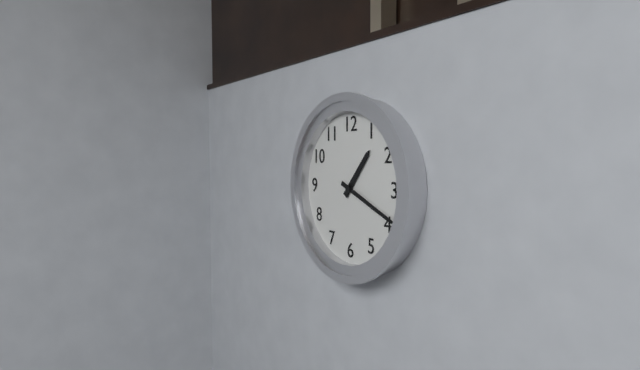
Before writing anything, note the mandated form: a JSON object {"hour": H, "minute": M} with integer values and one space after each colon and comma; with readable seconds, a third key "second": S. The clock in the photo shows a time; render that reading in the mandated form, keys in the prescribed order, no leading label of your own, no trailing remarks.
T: {"hour": 1, "minute": 19}
